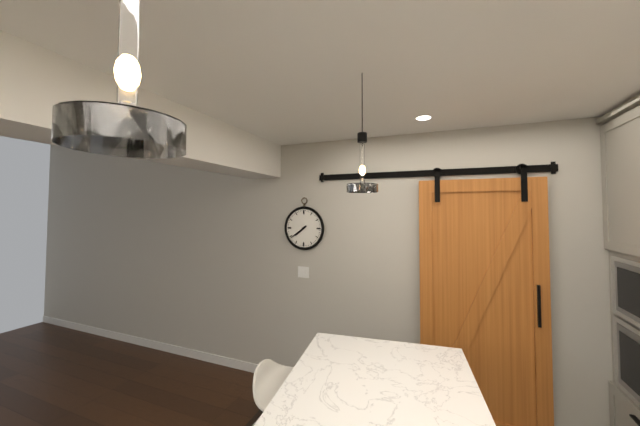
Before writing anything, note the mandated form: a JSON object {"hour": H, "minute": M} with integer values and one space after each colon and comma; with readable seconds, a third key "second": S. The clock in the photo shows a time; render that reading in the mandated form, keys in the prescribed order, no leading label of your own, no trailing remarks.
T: {"hour": 7, "minute": 39}
